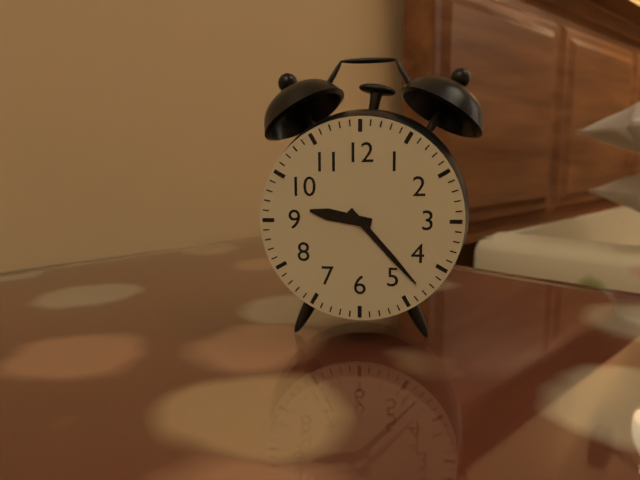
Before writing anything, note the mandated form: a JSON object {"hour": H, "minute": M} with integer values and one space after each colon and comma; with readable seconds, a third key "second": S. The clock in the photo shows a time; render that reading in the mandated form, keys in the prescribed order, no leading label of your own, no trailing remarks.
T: {"hour": 9, "minute": 23}
